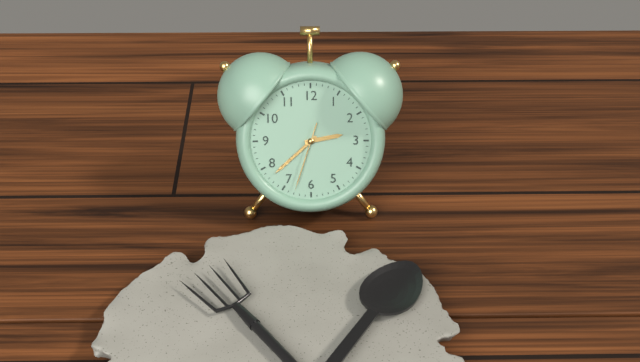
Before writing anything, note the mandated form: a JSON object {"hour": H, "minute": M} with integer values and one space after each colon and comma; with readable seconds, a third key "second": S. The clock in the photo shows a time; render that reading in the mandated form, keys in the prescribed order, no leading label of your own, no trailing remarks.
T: {"hour": 2, "minute": 38, "second": 33}
